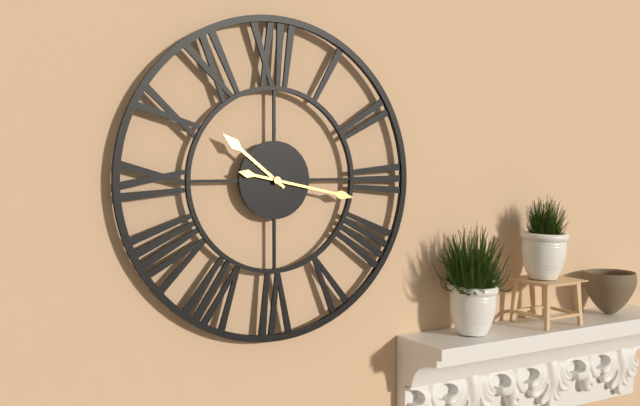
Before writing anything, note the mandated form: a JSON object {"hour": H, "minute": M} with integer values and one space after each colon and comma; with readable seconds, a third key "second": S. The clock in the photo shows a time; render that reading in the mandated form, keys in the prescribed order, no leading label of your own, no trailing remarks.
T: {"hour": 10, "minute": 17}
